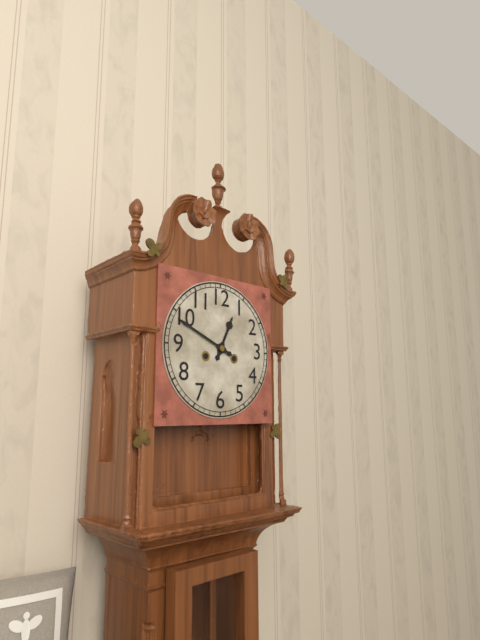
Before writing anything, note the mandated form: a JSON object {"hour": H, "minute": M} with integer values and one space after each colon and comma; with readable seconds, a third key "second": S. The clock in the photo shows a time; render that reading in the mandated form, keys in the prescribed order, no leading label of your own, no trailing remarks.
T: {"hour": 12, "minute": 49}
